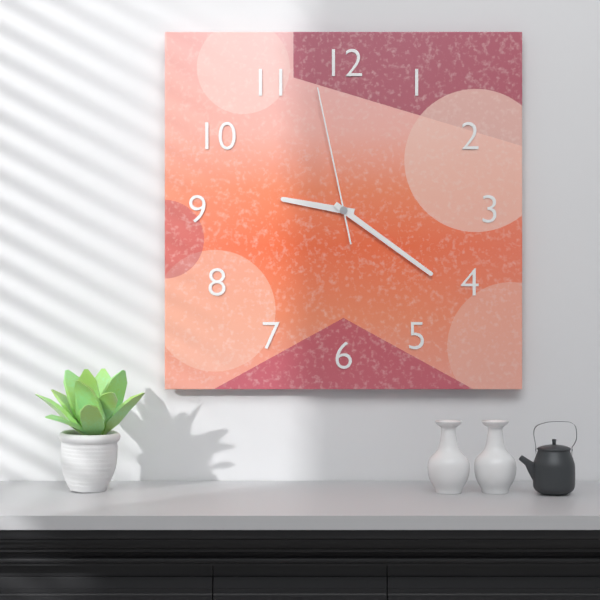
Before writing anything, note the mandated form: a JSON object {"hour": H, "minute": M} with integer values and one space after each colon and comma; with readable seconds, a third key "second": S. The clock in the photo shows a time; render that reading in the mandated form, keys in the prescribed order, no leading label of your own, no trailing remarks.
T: {"hour": 9, "minute": 21, "second": 58}
